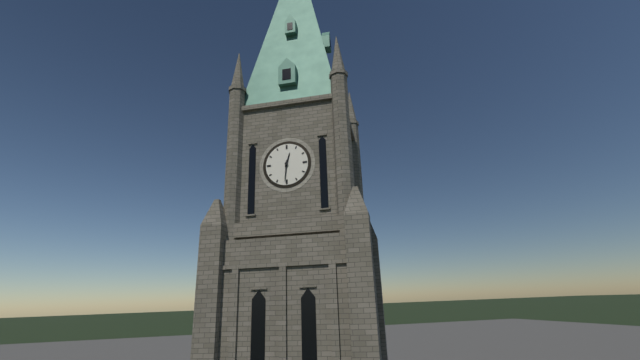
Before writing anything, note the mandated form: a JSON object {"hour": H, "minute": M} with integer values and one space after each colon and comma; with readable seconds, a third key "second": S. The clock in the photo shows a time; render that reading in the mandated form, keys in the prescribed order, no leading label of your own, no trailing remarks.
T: {"hour": 12, "minute": 31}
